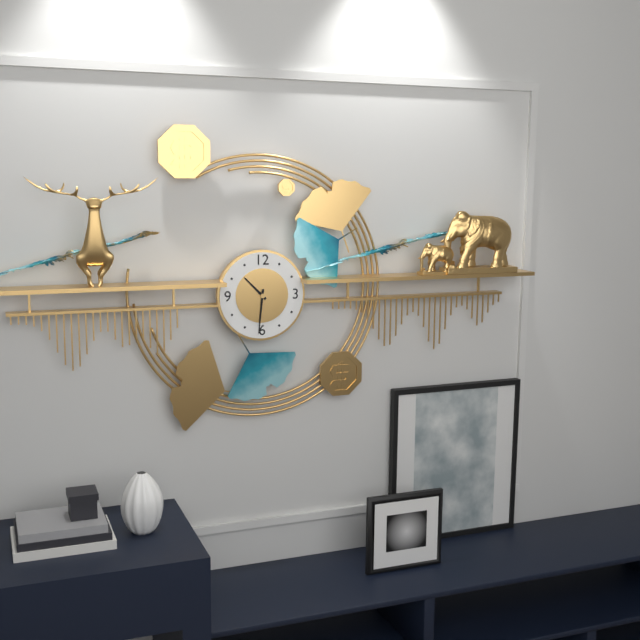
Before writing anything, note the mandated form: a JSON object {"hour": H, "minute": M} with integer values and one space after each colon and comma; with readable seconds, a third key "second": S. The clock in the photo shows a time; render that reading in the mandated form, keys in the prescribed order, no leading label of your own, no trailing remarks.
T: {"hour": 10, "minute": 31}
